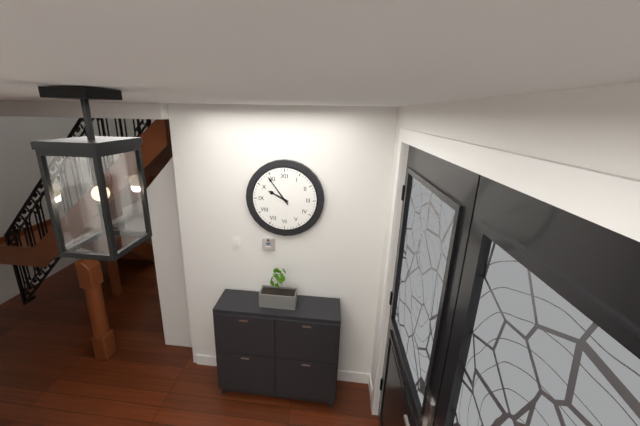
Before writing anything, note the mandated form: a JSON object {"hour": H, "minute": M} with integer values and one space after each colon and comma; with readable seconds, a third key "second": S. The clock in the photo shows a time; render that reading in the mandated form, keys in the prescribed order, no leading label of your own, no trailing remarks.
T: {"hour": 9, "minute": 54}
